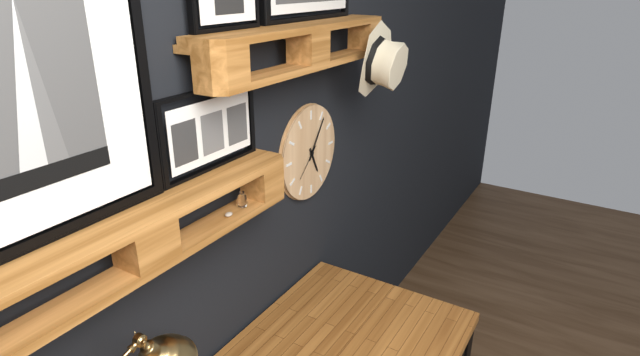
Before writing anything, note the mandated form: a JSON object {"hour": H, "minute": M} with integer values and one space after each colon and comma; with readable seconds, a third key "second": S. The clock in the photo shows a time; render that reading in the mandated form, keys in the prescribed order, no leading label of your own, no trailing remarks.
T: {"hour": 5, "minute": 6}
